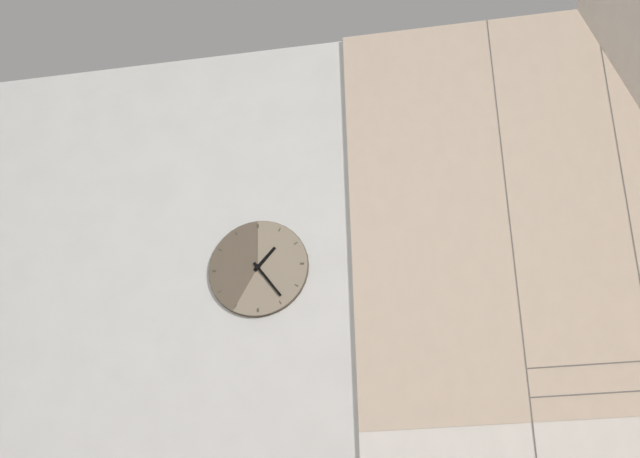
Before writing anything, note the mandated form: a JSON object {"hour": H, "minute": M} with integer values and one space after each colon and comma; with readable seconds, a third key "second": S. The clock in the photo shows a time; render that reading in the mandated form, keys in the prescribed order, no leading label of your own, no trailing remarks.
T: {"hour": 1, "minute": 24}
